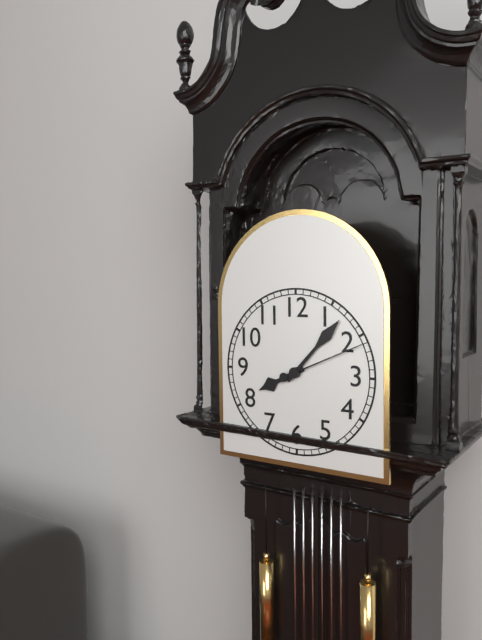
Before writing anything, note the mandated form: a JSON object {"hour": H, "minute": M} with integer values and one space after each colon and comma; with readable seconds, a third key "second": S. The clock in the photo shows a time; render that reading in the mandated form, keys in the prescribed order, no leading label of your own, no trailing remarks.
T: {"hour": 8, "minute": 7, "second": 11}
